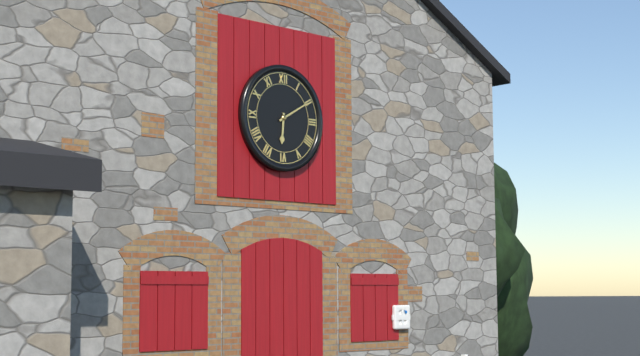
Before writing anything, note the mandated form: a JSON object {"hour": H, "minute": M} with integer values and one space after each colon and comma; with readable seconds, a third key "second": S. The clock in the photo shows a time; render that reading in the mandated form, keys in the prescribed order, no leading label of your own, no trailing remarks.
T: {"hour": 6, "minute": 10}
